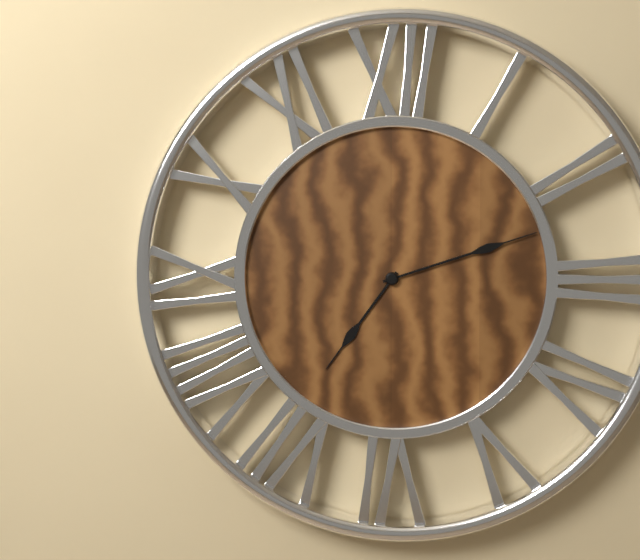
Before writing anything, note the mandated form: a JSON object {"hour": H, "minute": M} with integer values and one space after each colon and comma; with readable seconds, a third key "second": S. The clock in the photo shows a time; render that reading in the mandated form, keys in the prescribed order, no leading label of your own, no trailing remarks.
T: {"hour": 7, "minute": 12}
